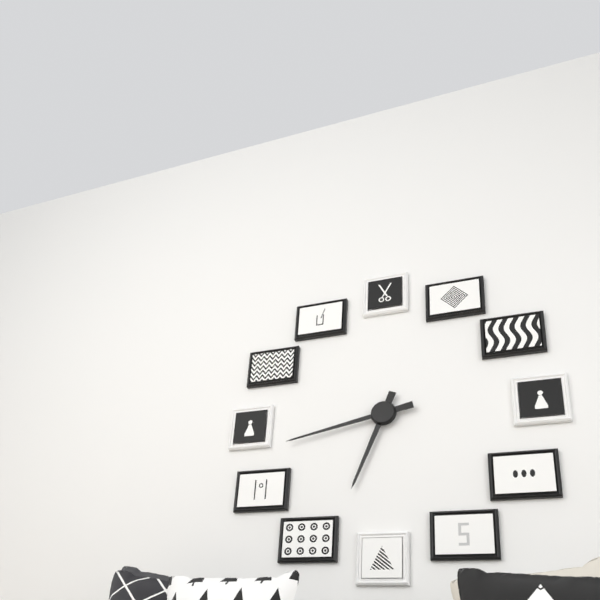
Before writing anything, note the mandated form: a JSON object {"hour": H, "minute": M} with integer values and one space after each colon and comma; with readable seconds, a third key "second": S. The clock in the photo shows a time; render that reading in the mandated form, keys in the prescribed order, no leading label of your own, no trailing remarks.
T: {"hour": 6, "minute": 43}
